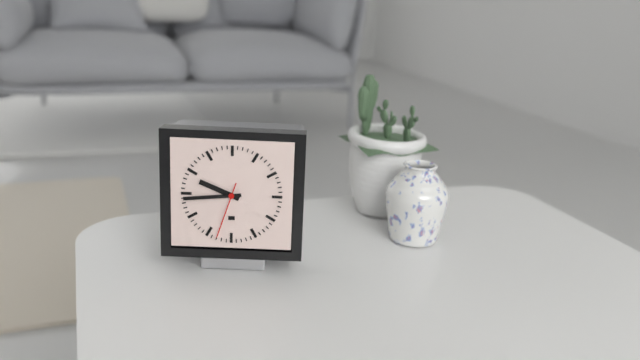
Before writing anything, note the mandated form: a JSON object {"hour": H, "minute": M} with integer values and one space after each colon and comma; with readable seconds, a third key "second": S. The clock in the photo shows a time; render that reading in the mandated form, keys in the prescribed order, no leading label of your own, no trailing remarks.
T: {"hour": 9, "minute": 44, "second": 33}
